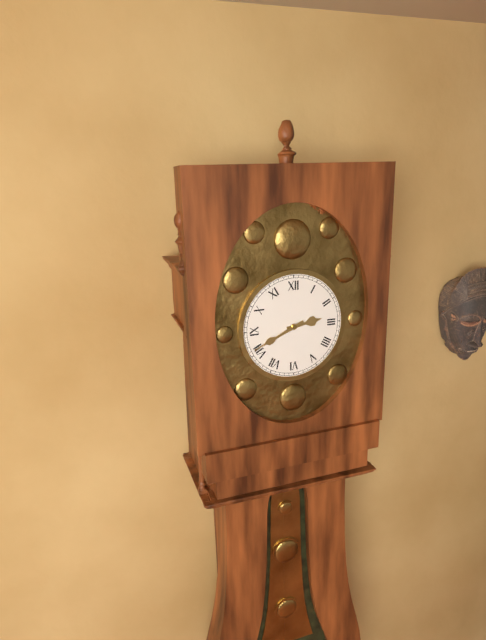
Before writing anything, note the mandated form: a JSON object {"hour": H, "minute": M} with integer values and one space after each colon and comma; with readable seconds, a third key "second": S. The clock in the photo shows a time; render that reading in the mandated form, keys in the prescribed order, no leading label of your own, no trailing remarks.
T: {"hour": 2, "minute": 41}
